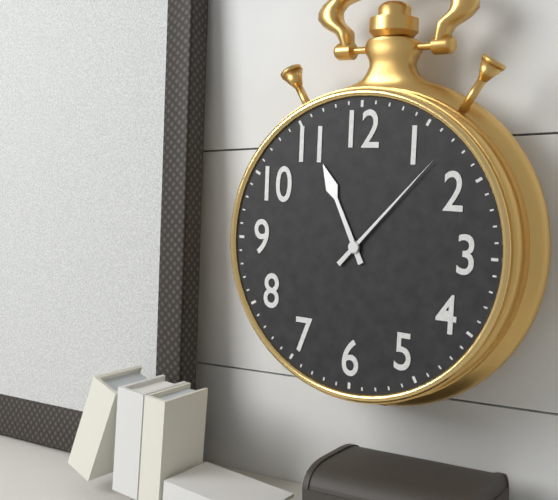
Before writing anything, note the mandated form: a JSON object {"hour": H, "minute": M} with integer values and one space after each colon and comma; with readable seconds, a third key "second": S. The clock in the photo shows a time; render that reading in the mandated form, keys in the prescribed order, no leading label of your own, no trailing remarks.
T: {"hour": 11, "minute": 7}
